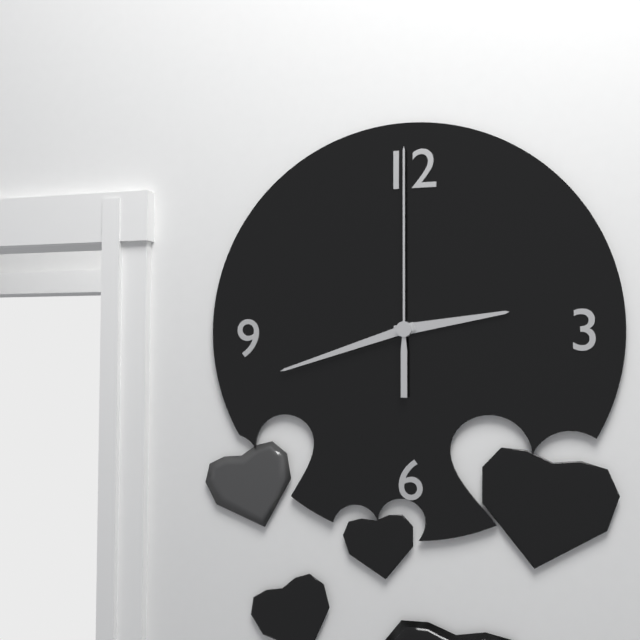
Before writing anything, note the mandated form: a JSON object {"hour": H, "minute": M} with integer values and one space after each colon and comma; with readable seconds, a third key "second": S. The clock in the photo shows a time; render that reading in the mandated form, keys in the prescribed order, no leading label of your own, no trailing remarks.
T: {"hour": 2, "minute": 42, "second": 0}
